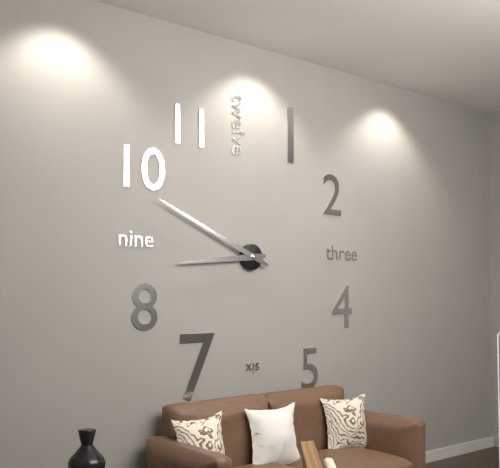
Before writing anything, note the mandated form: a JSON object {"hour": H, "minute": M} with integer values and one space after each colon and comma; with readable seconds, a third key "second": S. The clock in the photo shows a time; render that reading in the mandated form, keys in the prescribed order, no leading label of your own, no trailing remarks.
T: {"hour": 8, "minute": 49}
